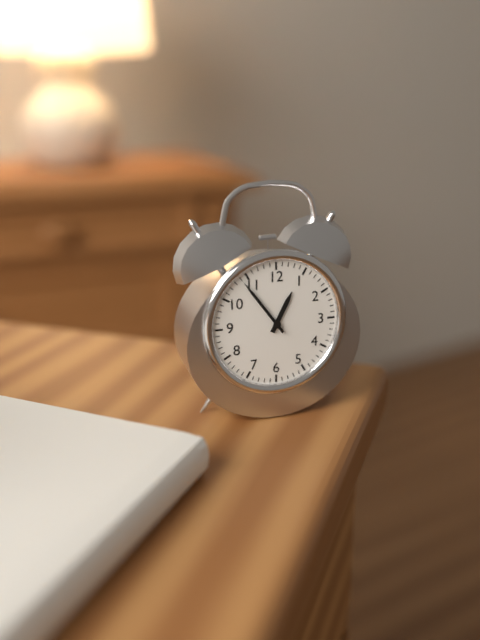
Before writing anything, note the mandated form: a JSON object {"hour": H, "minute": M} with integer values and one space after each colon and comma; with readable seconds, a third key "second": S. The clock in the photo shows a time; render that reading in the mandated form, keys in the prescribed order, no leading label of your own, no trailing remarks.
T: {"hour": 12, "minute": 54}
